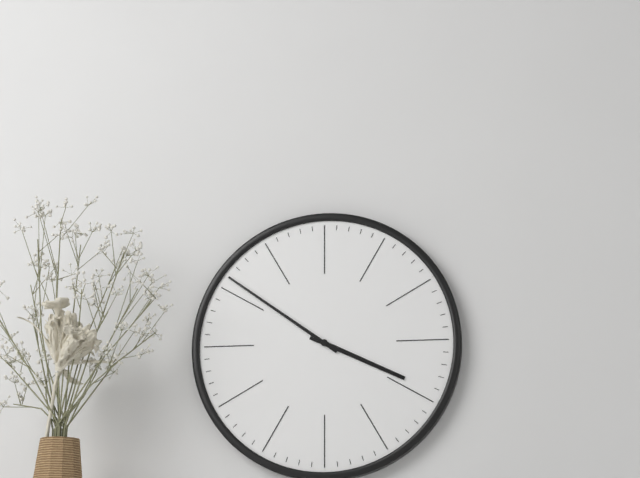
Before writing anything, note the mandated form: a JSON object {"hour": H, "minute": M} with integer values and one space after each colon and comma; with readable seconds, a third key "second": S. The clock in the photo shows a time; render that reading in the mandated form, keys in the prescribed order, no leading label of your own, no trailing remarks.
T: {"hour": 3, "minute": 51}
